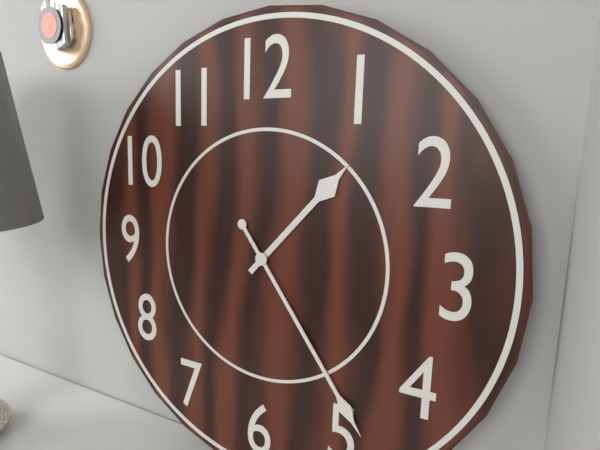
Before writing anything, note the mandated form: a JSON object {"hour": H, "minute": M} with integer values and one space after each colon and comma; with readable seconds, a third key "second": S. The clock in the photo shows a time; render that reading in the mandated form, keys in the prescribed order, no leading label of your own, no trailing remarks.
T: {"hour": 1, "minute": 24}
